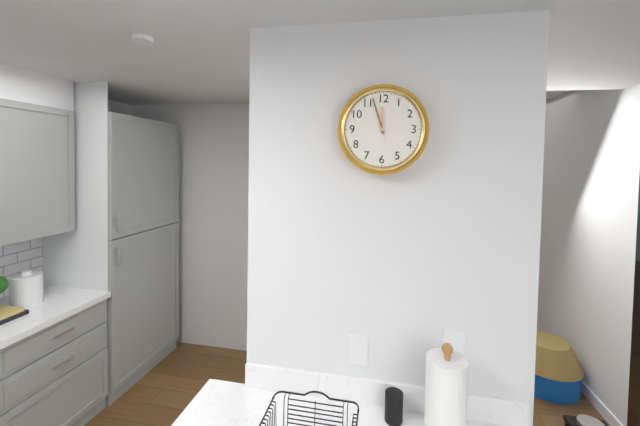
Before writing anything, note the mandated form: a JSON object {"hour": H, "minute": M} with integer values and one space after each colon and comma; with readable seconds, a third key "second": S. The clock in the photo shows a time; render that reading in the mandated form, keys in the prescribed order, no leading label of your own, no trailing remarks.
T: {"hour": 11, "minute": 57}
